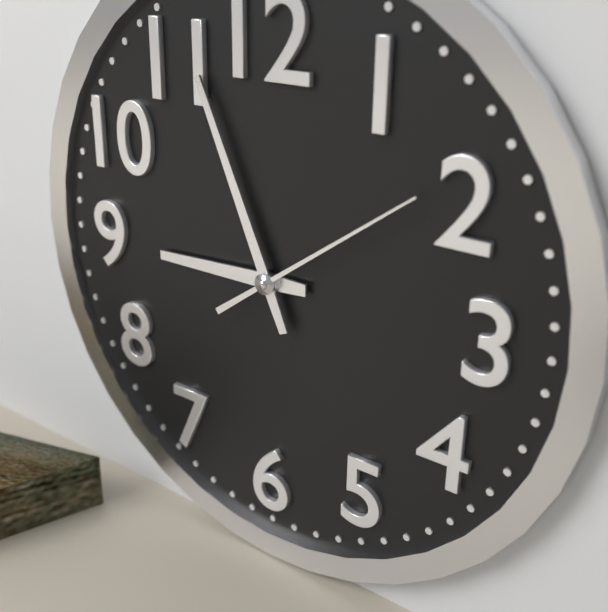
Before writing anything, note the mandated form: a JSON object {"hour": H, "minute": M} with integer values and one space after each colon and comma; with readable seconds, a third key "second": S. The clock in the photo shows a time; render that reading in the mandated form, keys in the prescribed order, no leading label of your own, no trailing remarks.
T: {"hour": 8, "minute": 56, "second": 9}
